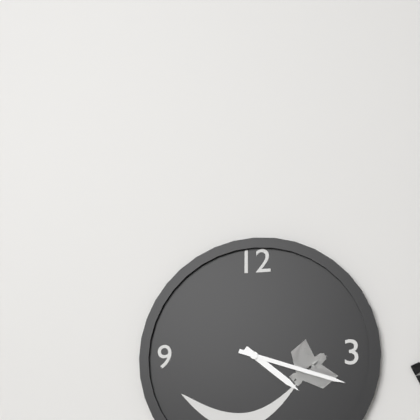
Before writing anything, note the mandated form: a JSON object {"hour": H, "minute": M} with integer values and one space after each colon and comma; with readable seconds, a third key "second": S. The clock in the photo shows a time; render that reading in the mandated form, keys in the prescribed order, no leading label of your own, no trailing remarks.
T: {"hour": 4, "minute": 18}
